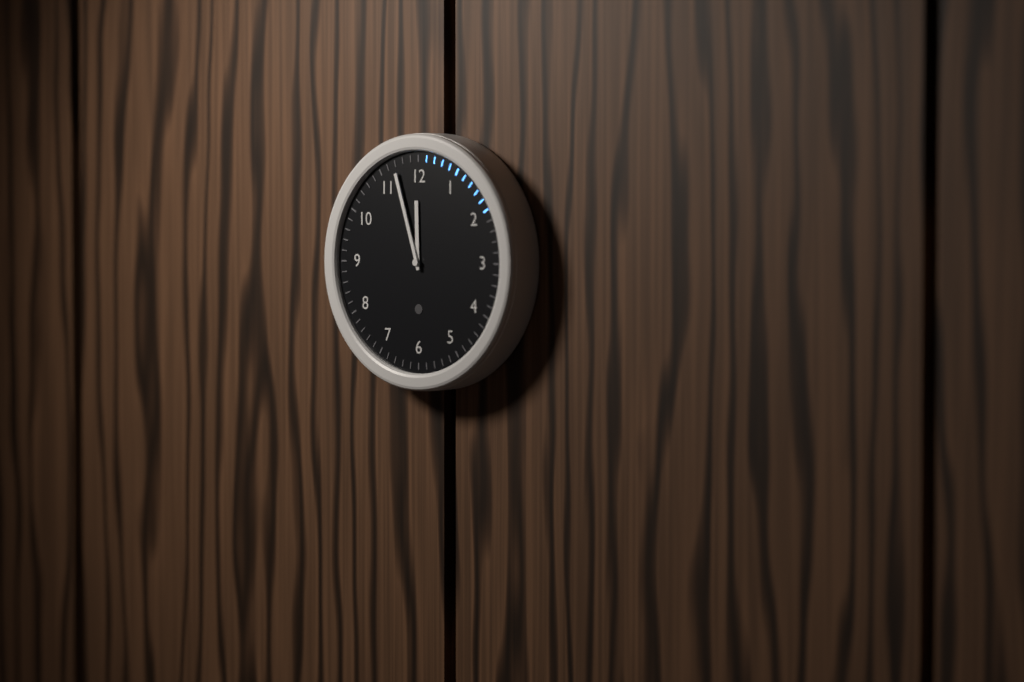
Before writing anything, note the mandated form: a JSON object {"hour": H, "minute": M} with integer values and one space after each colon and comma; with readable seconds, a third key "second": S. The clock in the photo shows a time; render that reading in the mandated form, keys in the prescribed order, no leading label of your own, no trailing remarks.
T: {"hour": 11, "minute": 57}
